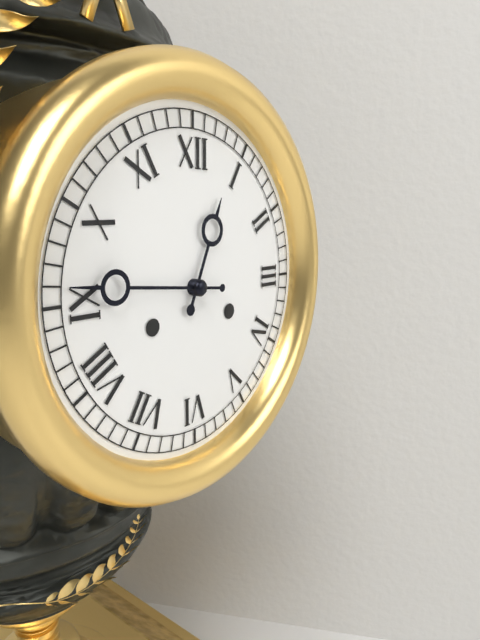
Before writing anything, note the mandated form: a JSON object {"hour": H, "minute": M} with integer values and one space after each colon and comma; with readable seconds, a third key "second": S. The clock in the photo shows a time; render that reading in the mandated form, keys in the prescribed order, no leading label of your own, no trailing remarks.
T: {"hour": 12, "minute": 46}
